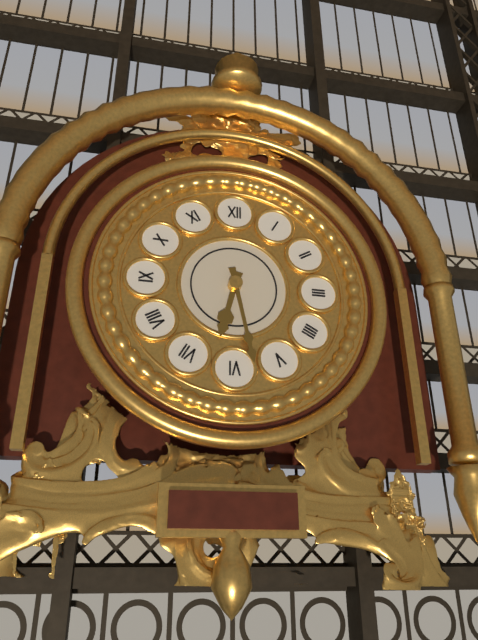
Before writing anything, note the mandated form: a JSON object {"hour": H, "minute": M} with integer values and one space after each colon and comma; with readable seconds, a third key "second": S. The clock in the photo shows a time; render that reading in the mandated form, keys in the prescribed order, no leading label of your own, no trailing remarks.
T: {"hour": 6, "minute": 28}
